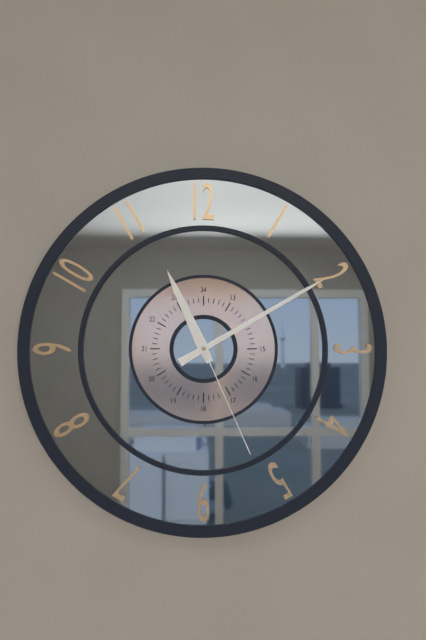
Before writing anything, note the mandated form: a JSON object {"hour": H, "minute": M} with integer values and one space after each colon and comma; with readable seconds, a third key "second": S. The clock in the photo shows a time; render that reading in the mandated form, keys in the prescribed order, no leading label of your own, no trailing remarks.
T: {"hour": 11, "minute": 10, "second": 26}
